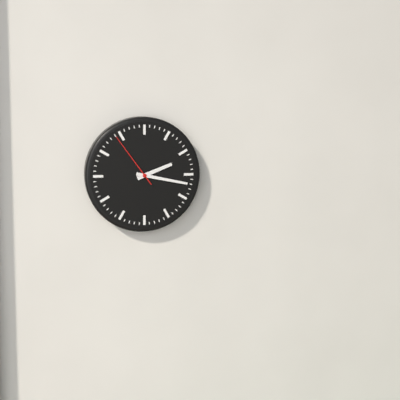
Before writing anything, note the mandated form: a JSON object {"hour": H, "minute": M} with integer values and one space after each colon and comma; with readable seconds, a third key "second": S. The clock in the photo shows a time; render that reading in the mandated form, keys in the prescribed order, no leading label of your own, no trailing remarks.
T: {"hour": 2, "minute": 17, "second": 54}
